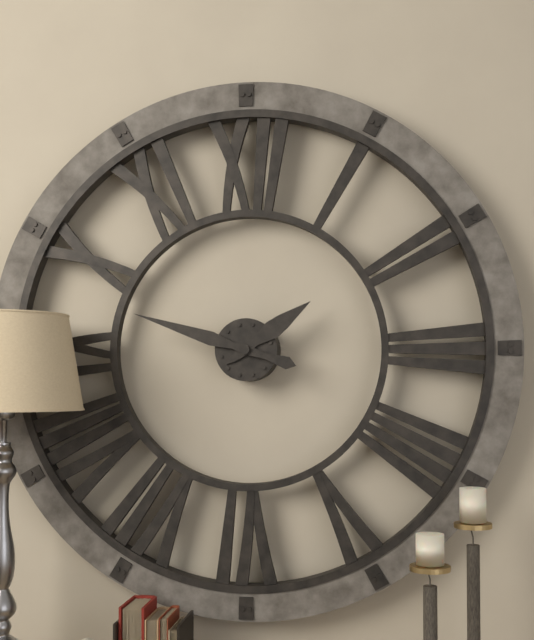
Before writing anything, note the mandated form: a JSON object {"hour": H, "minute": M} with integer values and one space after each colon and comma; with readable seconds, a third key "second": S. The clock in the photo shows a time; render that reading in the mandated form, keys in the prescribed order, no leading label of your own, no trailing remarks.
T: {"hour": 1, "minute": 48}
